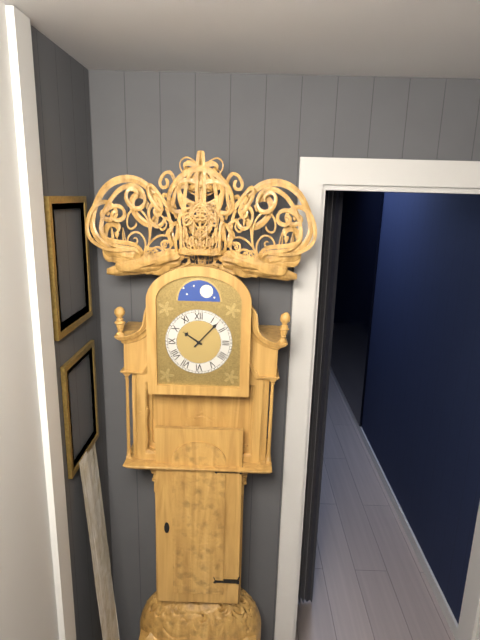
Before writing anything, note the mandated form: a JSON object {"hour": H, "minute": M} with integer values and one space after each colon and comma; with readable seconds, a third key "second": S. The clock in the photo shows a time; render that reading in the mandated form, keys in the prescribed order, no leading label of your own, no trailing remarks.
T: {"hour": 10, "minute": 7}
